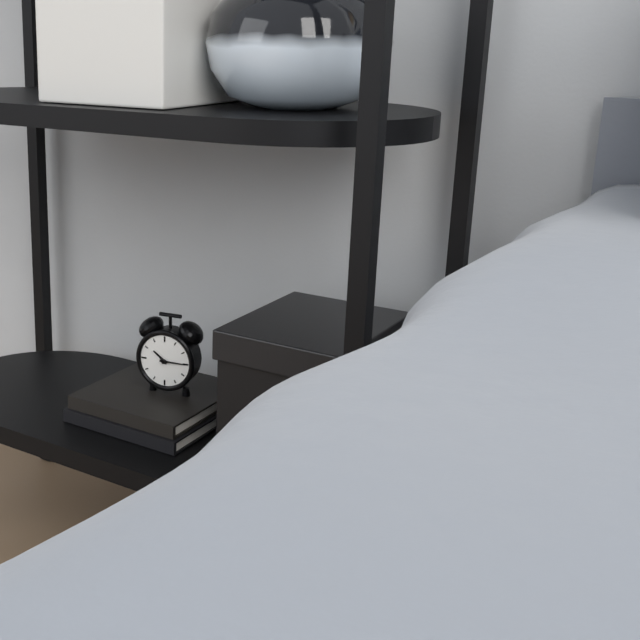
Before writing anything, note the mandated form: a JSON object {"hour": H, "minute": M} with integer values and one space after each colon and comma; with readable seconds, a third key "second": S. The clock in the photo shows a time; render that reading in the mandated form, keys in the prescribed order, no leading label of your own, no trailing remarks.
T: {"hour": 10, "minute": 15}
